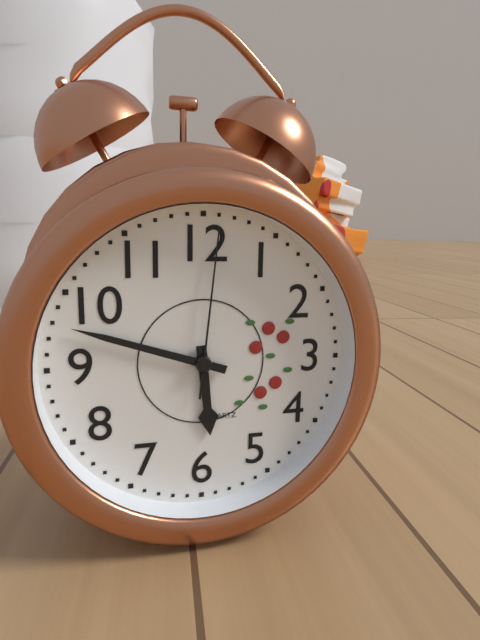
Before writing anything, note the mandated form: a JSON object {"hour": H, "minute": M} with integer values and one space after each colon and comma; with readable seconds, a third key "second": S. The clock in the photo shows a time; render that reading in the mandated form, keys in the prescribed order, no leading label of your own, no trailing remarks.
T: {"hour": 5, "minute": 48, "second": 1}
